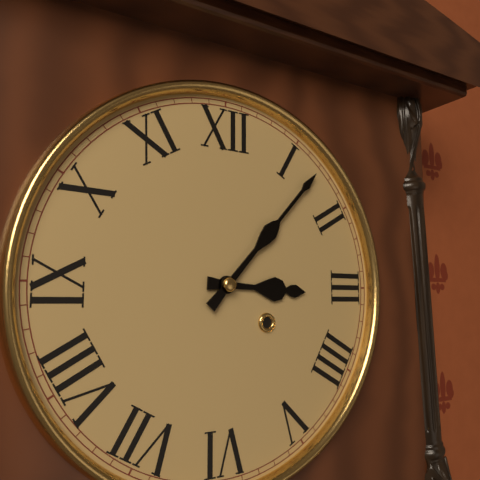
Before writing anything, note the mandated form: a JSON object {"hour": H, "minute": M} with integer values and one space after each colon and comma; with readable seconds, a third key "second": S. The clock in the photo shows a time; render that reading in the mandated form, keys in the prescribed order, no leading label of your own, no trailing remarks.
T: {"hour": 3, "minute": 7}
